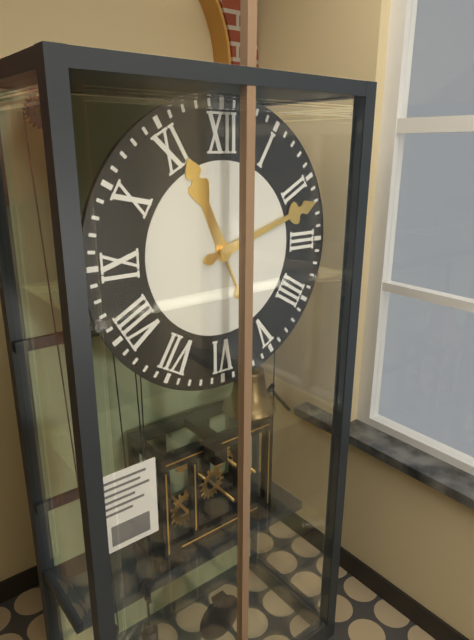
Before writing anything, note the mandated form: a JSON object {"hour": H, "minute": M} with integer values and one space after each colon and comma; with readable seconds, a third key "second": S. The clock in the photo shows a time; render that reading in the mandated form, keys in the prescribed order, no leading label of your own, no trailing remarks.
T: {"hour": 11, "minute": 12}
